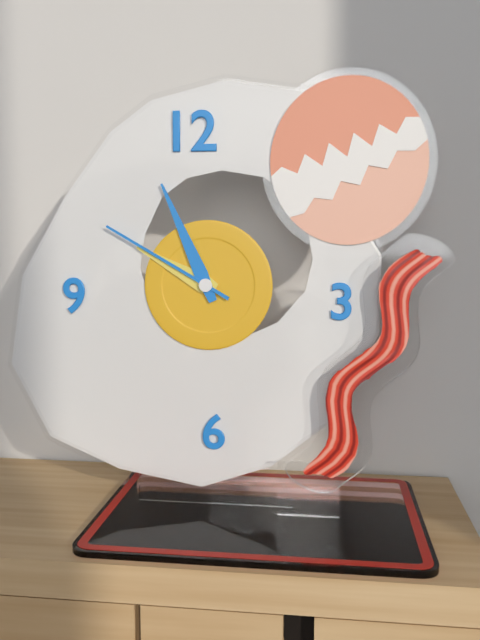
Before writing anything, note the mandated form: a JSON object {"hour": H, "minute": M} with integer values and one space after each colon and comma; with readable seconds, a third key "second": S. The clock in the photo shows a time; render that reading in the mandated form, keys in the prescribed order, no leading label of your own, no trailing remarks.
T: {"hour": 9, "minute": 56, "second": 50}
